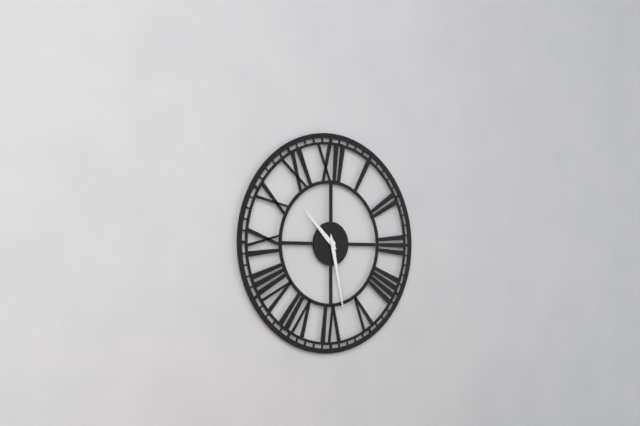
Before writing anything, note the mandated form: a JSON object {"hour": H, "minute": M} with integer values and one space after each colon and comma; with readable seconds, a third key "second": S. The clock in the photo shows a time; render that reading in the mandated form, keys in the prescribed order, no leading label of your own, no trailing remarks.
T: {"hour": 10, "minute": 28}
